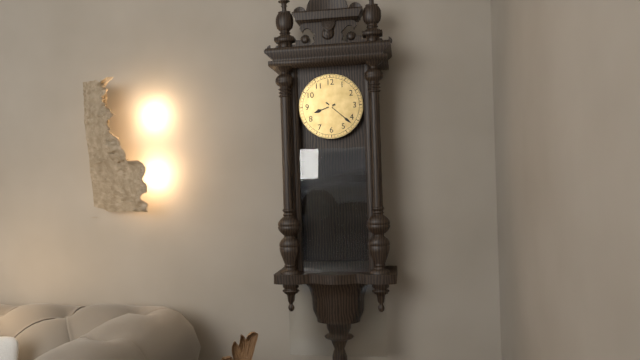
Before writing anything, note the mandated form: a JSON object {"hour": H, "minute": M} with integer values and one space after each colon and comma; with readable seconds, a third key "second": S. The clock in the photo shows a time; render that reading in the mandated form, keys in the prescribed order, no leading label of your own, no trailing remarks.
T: {"hour": 8, "minute": 22}
